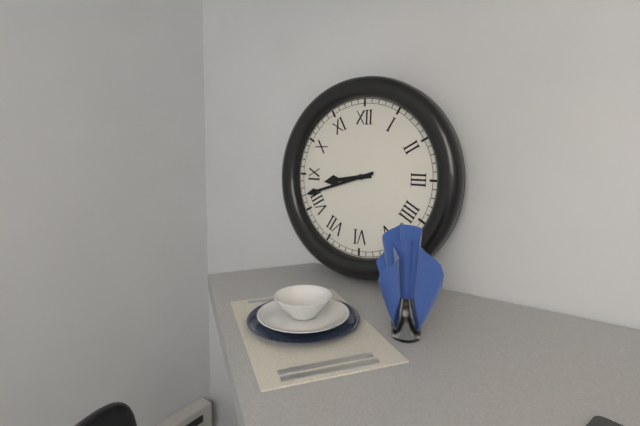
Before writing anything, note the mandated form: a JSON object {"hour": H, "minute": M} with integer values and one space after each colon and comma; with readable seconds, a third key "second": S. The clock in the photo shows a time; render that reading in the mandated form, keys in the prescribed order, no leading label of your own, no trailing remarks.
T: {"hour": 8, "minute": 42}
